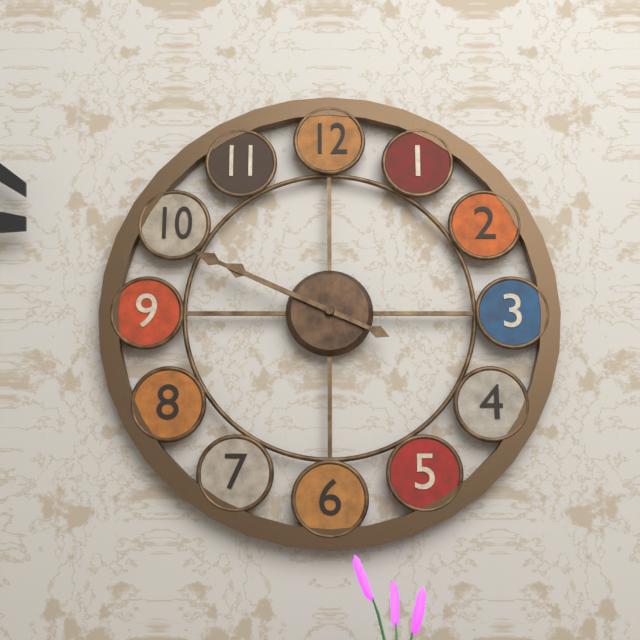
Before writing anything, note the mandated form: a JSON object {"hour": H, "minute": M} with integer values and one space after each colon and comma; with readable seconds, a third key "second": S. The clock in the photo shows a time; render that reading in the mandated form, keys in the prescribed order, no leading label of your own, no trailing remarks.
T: {"hour": 9, "minute": 49}
